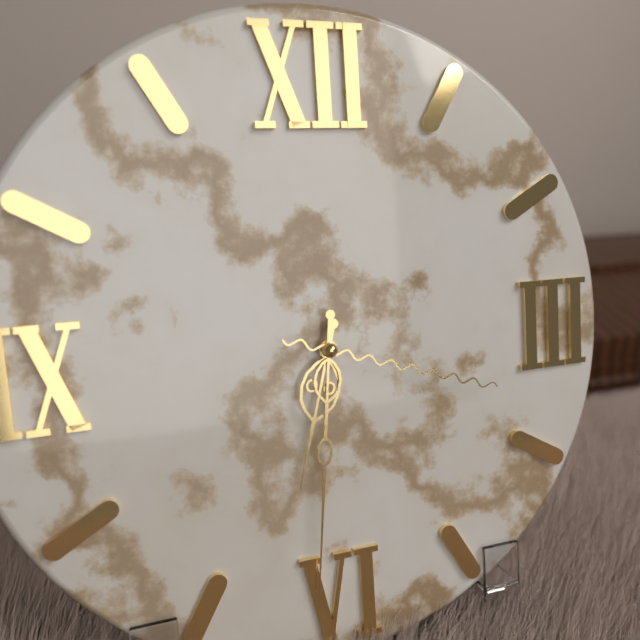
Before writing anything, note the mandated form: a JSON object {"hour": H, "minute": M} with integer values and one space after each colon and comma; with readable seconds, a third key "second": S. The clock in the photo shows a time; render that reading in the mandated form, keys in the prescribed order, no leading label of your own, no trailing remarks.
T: {"hour": 6, "minute": 31, "second": 18}
